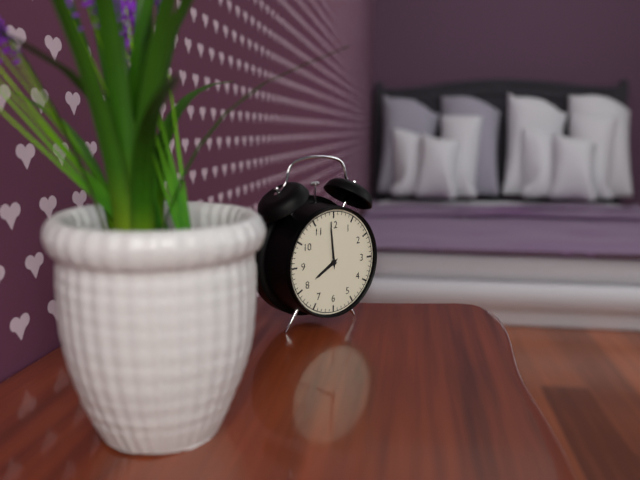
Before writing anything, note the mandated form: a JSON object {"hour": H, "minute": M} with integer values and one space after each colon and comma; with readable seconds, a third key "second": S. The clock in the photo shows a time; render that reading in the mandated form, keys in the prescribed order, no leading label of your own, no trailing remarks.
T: {"hour": 7, "minute": 59}
